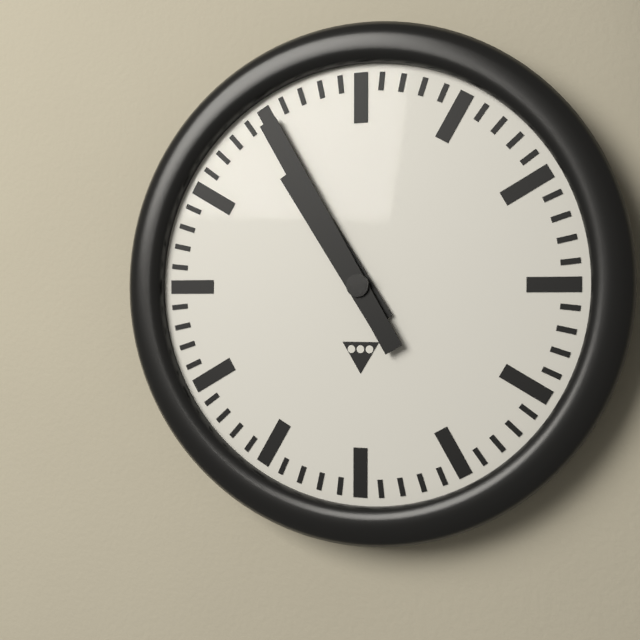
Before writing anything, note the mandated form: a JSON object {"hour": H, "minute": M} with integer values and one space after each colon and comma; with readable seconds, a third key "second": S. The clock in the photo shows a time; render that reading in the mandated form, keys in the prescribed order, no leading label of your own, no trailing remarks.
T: {"hour": 10, "minute": 55}
